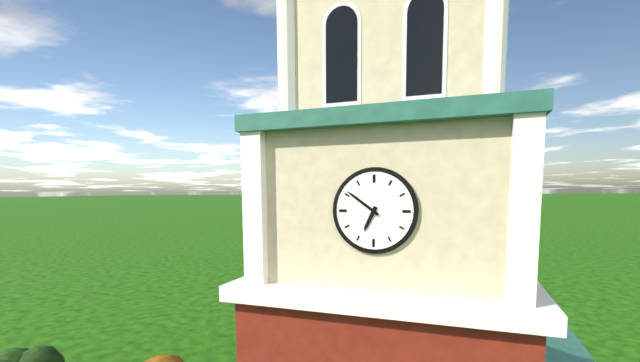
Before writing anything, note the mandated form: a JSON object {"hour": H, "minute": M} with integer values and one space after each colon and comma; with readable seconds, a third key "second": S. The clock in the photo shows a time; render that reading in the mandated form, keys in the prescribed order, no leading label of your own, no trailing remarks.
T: {"hour": 6, "minute": 51}
